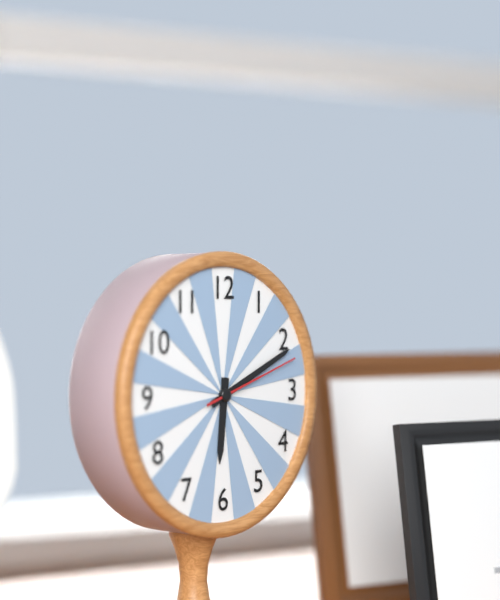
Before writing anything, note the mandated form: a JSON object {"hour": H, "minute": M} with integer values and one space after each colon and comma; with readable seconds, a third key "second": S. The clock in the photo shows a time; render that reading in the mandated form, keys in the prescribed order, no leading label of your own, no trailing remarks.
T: {"hour": 6, "minute": 11, "second": 12}
